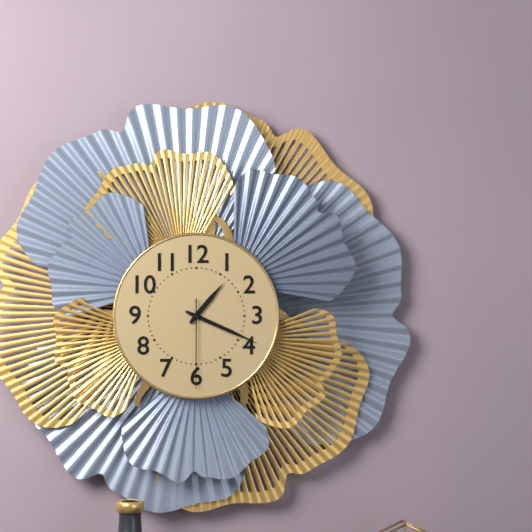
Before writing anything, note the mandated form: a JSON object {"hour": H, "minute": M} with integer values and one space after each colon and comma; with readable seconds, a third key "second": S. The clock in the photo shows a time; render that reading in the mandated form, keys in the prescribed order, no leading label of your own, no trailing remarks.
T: {"hour": 1, "minute": 19, "second": 30}
